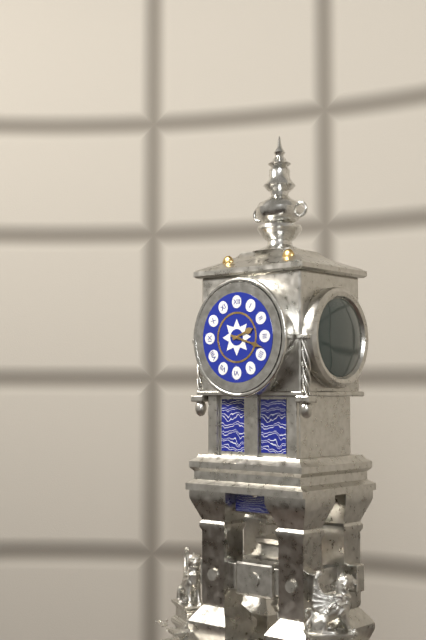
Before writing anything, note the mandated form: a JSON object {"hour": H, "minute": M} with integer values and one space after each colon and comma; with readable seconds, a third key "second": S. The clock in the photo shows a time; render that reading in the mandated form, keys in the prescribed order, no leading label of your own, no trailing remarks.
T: {"hour": 2, "minute": 18}
